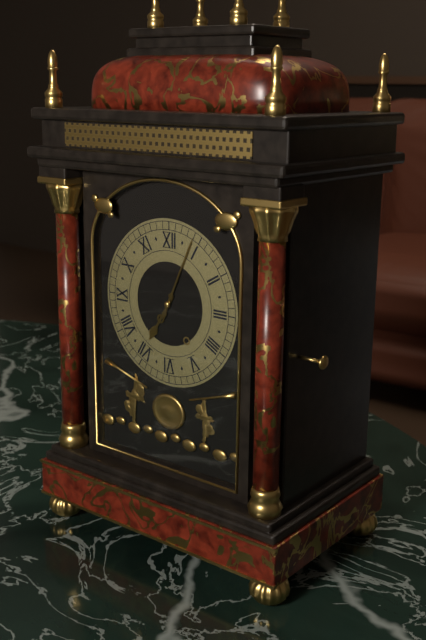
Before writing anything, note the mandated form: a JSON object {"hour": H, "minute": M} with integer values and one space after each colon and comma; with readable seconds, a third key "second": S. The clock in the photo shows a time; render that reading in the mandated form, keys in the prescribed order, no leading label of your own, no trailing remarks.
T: {"hour": 7, "minute": 4}
